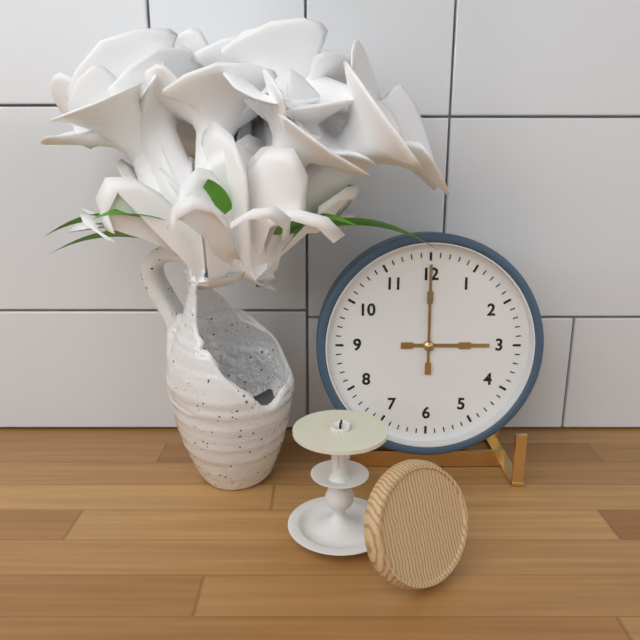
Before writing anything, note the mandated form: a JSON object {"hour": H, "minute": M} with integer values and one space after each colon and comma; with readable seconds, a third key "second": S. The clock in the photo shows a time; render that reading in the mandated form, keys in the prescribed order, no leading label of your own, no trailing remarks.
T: {"hour": 3, "minute": 0}
